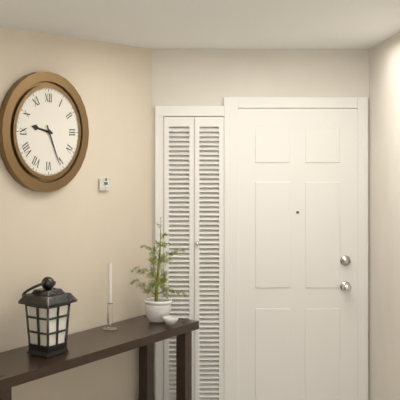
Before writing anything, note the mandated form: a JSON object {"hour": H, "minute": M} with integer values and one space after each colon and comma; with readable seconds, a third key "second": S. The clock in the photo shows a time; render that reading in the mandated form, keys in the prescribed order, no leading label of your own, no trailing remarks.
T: {"hour": 9, "minute": 26}
